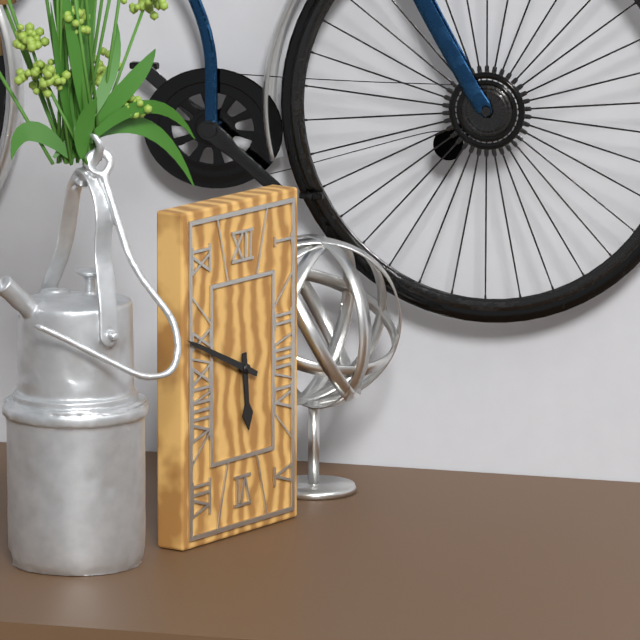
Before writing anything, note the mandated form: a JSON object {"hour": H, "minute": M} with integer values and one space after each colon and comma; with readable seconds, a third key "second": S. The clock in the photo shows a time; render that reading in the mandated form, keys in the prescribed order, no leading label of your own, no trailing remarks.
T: {"hour": 5, "minute": 49}
